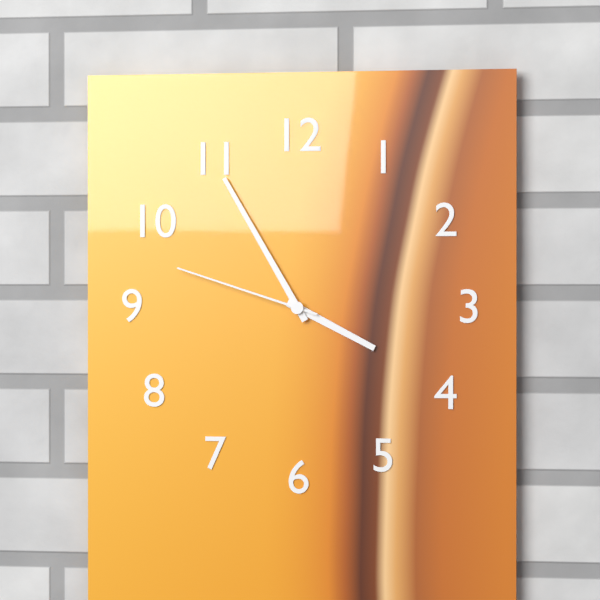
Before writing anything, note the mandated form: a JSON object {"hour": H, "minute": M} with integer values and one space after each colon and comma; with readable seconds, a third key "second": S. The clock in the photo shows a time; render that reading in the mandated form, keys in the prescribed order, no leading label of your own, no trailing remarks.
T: {"hour": 3, "minute": 55, "second": 48}
